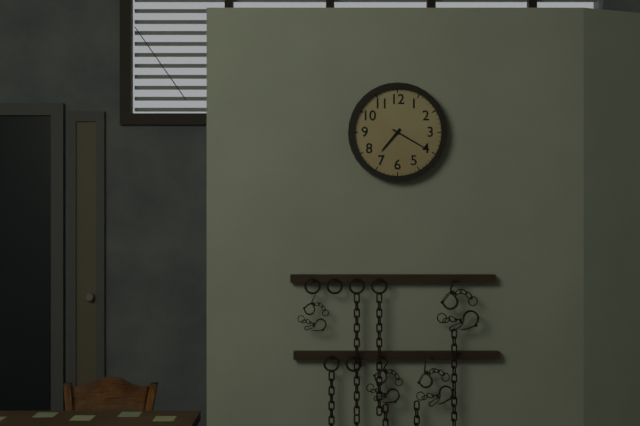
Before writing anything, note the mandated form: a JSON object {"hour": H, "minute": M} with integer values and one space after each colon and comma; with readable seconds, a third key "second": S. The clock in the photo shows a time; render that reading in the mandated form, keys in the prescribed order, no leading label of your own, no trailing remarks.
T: {"hour": 7, "minute": 20}
